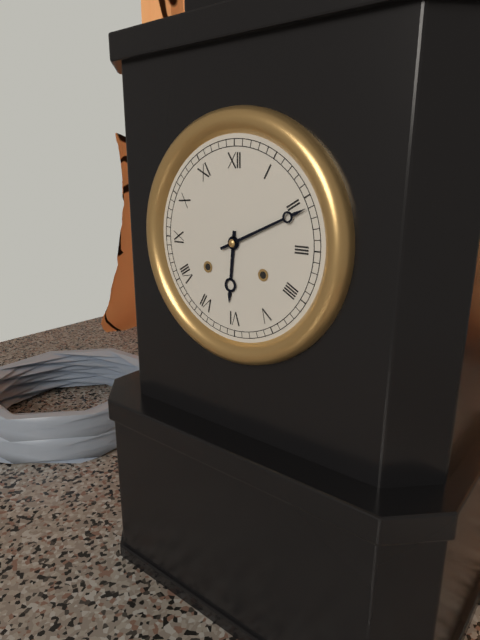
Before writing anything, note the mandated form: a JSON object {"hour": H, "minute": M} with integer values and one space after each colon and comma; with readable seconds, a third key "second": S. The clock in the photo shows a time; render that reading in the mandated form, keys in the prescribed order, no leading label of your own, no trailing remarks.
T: {"hour": 6, "minute": 11}
